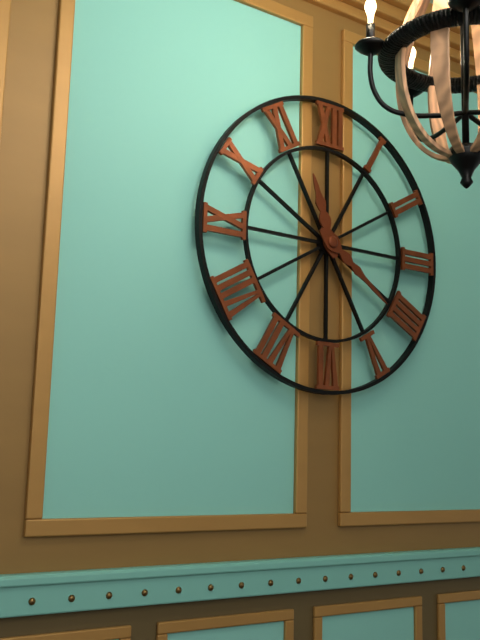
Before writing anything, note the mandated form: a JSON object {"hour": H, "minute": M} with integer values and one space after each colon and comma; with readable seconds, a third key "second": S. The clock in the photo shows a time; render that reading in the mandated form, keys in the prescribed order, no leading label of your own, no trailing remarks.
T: {"hour": 11, "minute": 21}
